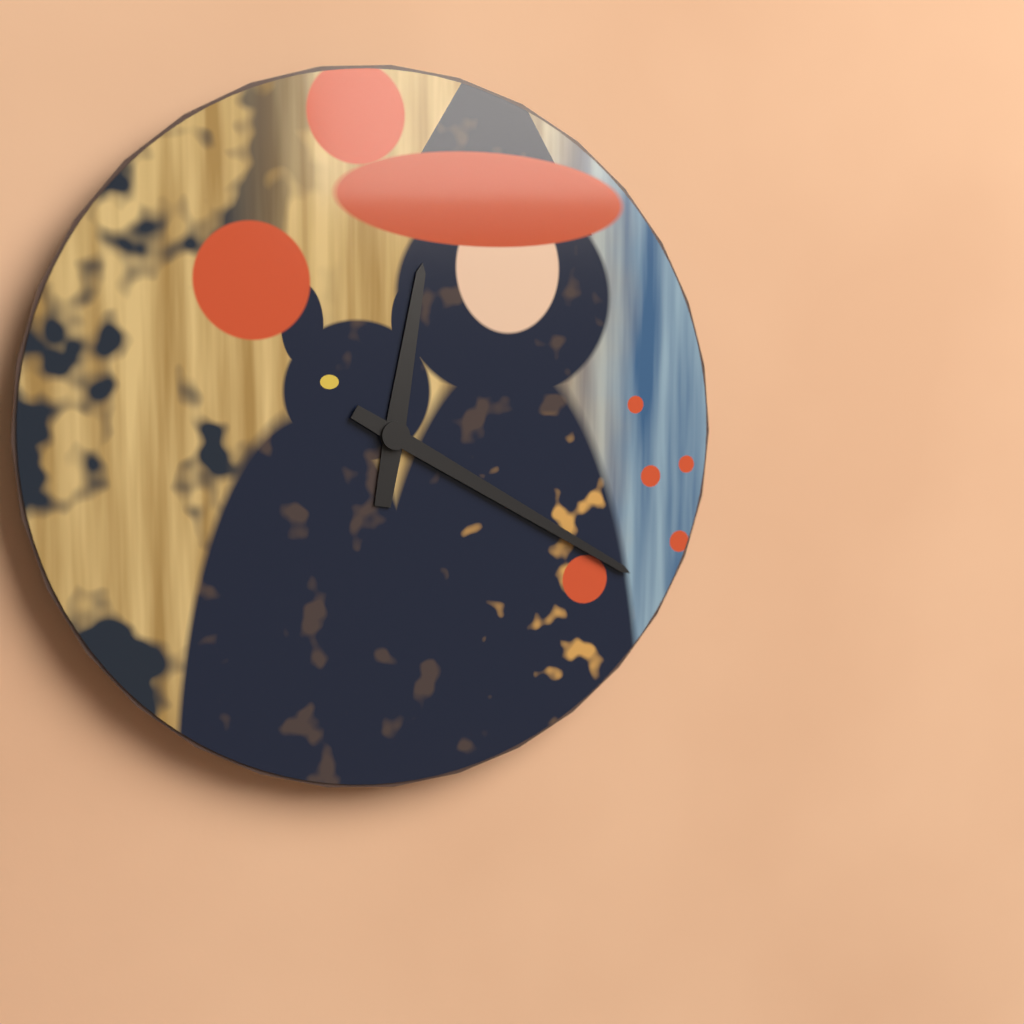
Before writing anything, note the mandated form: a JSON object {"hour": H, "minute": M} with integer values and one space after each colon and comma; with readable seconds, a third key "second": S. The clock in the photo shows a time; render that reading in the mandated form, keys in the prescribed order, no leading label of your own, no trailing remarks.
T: {"hour": 12, "minute": 20}
